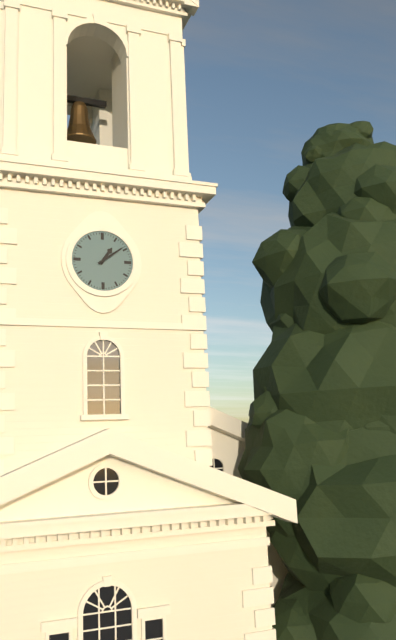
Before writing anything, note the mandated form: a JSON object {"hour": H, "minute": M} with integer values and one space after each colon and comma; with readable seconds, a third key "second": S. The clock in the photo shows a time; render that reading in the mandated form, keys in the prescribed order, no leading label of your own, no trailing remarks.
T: {"hour": 1, "minute": 9}
